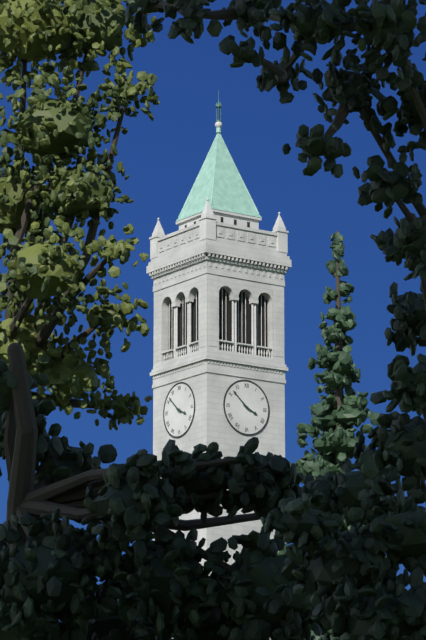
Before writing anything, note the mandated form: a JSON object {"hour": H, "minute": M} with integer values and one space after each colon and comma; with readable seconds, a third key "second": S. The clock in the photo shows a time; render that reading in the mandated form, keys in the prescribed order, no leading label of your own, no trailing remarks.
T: {"hour": 3, "minute": 52}
